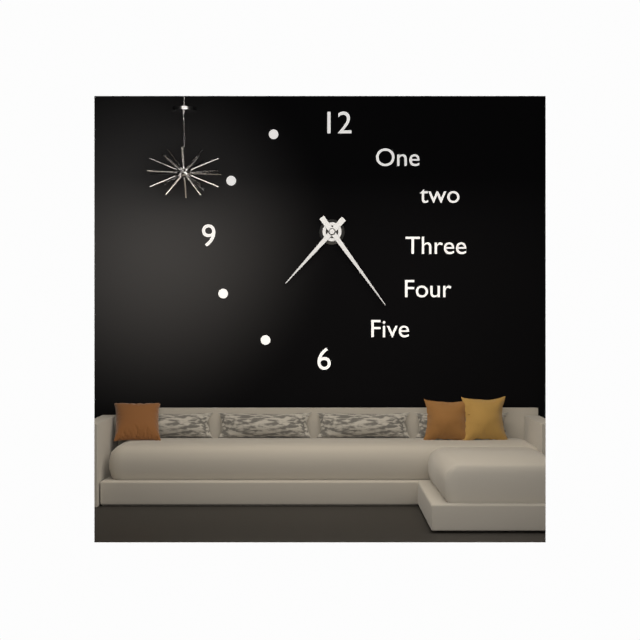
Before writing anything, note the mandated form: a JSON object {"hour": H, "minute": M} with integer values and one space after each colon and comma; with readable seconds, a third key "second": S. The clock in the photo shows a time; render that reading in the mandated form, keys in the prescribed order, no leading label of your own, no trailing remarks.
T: {"hour": 7, "minute": 24}
